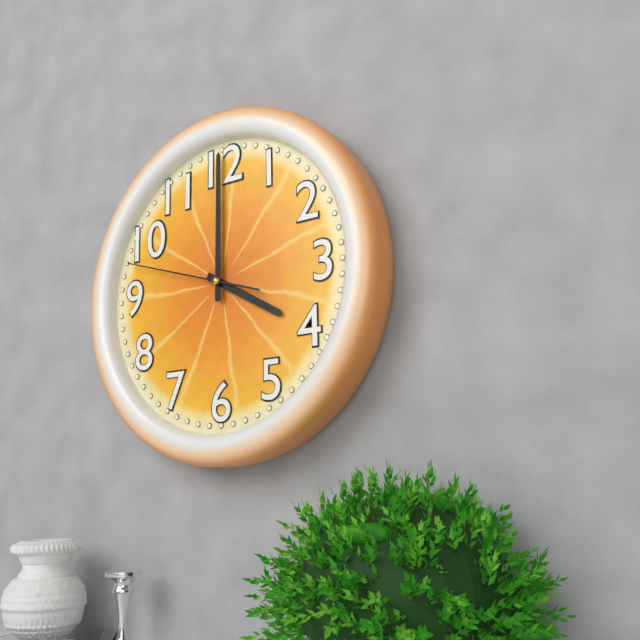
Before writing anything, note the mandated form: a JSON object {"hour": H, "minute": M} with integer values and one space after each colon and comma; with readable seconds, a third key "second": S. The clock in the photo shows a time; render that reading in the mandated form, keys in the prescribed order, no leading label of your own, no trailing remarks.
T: {"hour": 4, "minute": 0, "second": 48}
